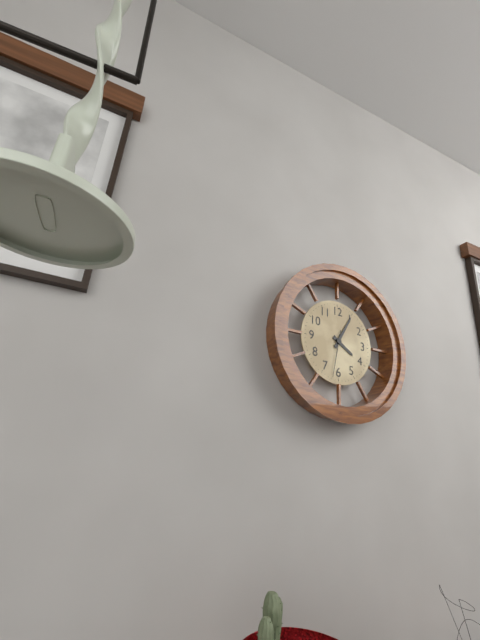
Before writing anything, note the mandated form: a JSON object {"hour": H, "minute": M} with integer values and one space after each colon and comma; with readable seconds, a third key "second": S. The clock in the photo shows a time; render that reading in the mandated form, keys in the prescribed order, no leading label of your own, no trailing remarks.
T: {"hour": 4, "minute": 5}
